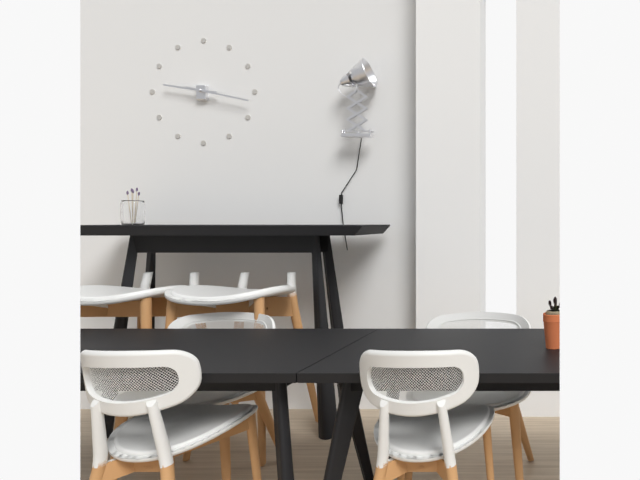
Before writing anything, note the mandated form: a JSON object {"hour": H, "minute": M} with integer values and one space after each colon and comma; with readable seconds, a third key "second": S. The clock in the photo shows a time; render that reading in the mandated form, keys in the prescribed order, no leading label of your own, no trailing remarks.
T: {"hour": 9, "minute": 17}
